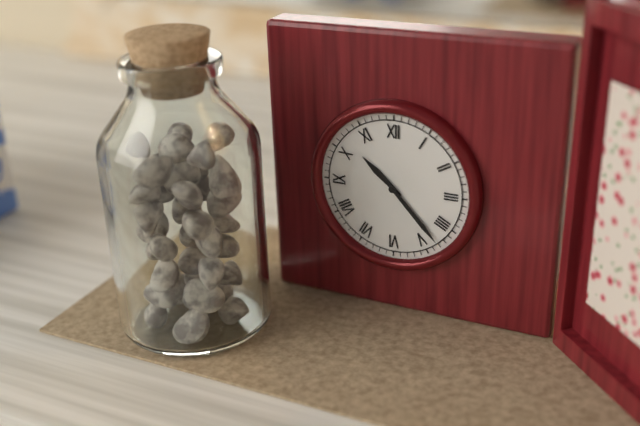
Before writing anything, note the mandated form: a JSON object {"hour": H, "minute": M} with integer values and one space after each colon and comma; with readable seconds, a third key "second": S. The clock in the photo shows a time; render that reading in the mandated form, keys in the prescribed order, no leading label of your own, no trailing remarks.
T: {"hour": 10, "minute": 23}
